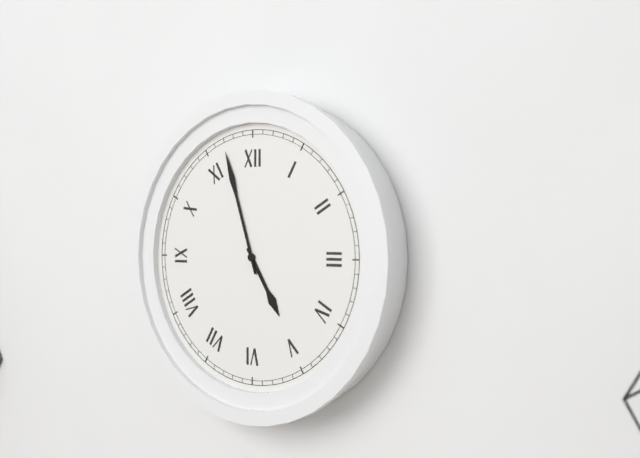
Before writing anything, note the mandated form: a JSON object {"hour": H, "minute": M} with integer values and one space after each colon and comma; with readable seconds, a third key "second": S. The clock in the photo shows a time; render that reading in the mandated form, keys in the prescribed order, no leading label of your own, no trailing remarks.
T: {"hour": 4, "minute": 57}
